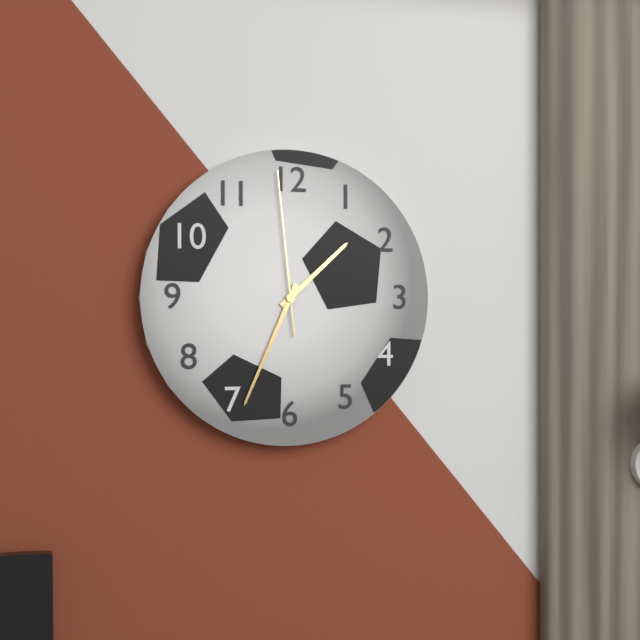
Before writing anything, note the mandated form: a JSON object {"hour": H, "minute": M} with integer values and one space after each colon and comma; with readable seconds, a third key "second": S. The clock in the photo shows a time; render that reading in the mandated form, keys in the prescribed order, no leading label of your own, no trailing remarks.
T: {"hour": 1, "minute": 34, "second": 59}
